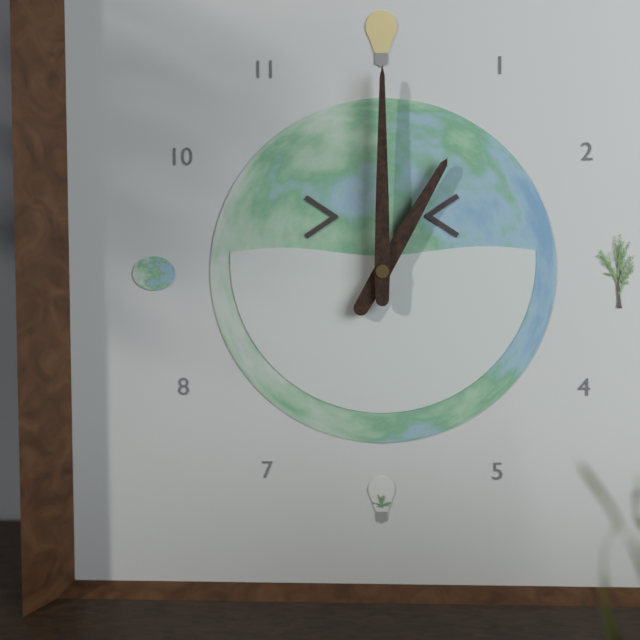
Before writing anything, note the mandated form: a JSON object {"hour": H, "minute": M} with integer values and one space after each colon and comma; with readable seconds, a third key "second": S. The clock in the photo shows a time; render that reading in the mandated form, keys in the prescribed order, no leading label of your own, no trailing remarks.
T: {"hour": 1, "minute": 0}
